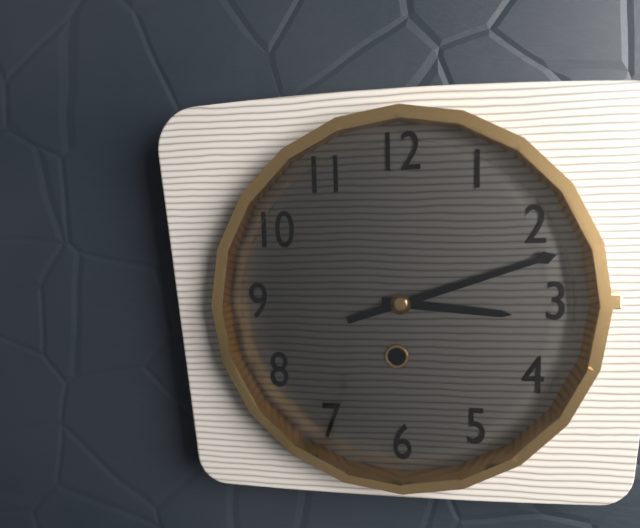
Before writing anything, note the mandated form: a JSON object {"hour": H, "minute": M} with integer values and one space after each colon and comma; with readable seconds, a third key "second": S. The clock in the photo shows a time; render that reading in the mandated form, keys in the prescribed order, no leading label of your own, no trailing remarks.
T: {"hour": 3, "minute": 12}
